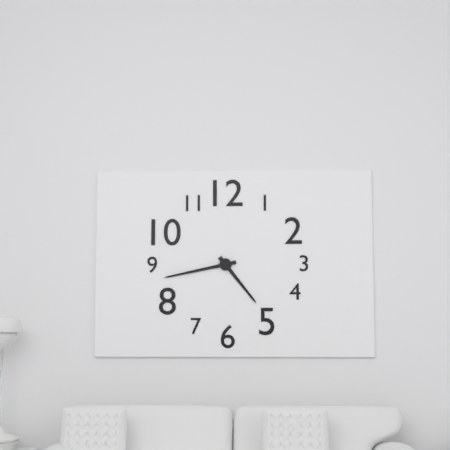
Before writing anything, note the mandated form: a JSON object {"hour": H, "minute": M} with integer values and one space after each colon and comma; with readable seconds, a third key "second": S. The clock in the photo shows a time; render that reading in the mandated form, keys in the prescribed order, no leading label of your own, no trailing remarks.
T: {"hour": 4, "minute": 43}
